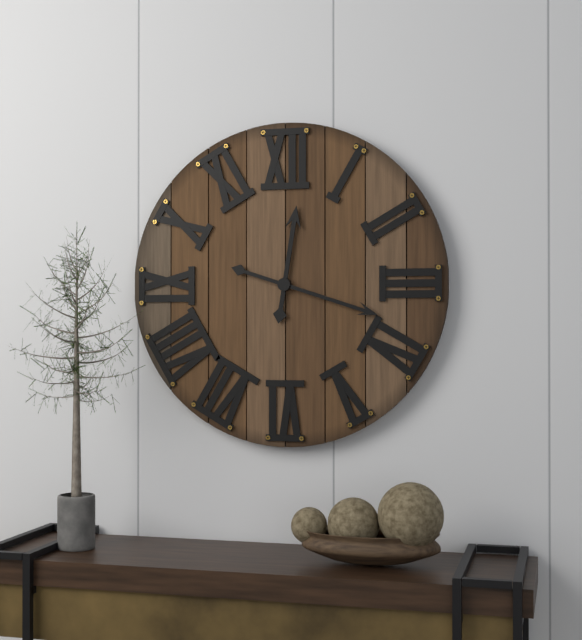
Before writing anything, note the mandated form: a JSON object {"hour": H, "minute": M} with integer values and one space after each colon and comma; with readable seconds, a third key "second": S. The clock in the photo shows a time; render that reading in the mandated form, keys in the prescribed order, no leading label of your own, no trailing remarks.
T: {"hour": 12, "minute": 18}
